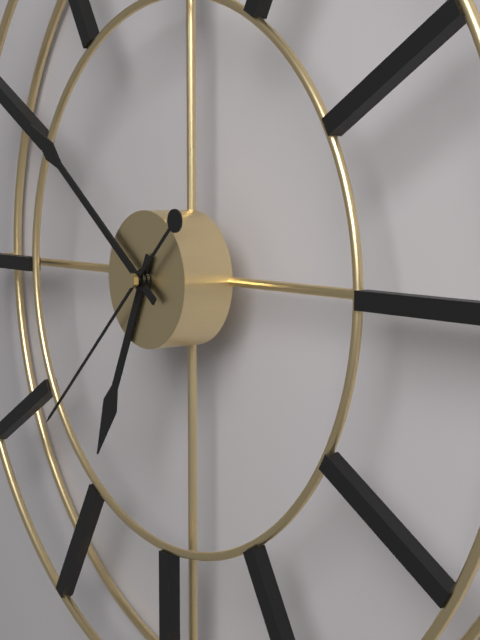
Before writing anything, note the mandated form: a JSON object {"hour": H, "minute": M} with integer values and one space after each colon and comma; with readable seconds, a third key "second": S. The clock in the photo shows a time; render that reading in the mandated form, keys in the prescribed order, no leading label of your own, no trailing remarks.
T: {"hour": 6, "minute": 51, "second": 38}
